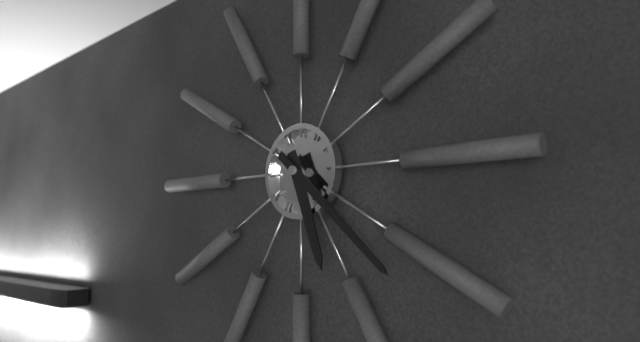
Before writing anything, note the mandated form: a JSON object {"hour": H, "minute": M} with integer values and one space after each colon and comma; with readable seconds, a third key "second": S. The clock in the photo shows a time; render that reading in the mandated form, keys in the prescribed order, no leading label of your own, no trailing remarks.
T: {"hour": 5, "minute": 22}
